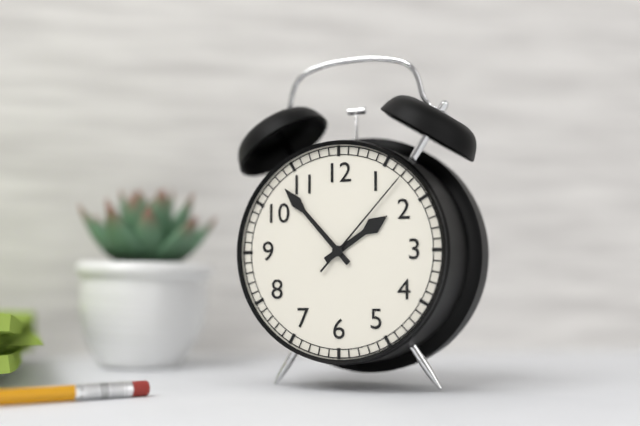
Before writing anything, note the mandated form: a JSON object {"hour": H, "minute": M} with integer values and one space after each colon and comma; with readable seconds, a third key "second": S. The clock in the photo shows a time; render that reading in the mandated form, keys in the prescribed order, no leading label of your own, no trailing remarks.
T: {"hour": 1, "minute": 53, "second": 7}
